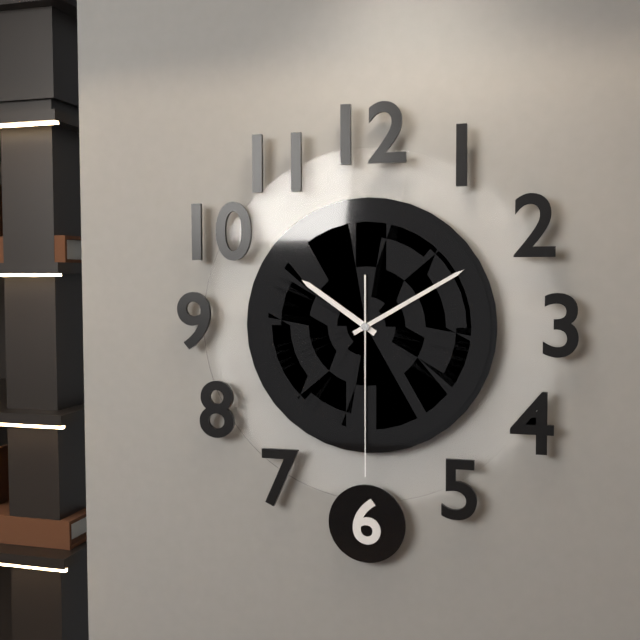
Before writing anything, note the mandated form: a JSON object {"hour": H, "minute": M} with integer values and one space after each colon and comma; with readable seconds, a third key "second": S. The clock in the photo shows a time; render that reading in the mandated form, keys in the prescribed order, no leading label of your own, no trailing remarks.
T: {"hour": 10, "minute": 10, "second": 30}
